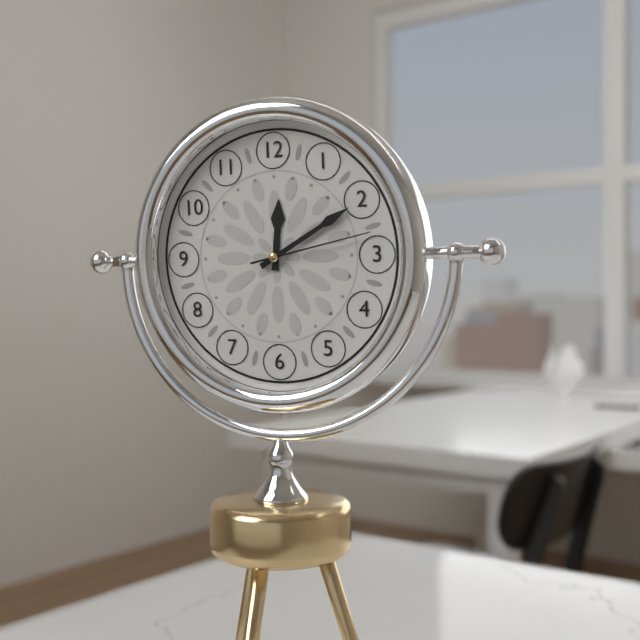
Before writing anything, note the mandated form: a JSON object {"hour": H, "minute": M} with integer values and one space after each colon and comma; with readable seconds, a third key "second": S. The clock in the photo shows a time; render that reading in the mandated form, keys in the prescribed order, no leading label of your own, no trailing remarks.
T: {"hour": 12, "minute": 10, "second": 13}
